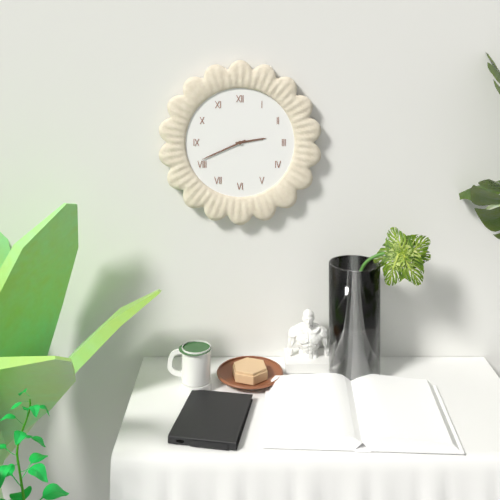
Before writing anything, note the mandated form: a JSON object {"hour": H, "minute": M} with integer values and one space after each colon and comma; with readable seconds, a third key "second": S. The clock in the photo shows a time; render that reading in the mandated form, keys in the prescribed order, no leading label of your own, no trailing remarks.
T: {"hour": 2, "minute": 41}
